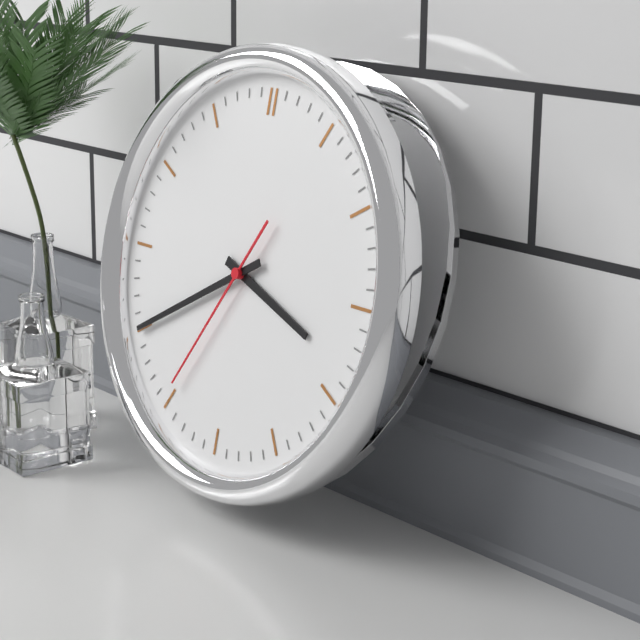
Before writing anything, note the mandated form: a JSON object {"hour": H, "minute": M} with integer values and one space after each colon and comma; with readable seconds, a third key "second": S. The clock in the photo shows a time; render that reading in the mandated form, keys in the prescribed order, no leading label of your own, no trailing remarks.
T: {"hour": 3, "minute": 40, "second": 35}
